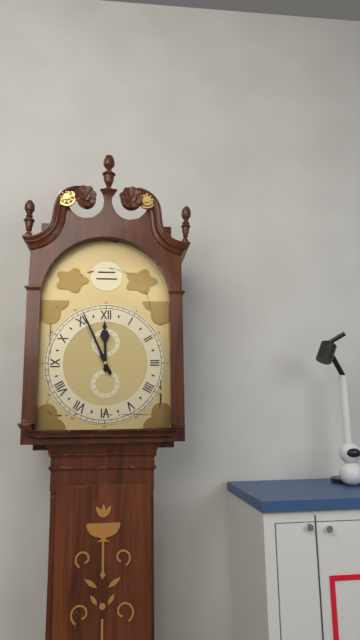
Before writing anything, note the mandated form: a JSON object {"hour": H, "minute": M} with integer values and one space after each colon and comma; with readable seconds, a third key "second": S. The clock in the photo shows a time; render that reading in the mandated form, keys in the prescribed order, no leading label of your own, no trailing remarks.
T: {"hour": 11, "minute": 56}
